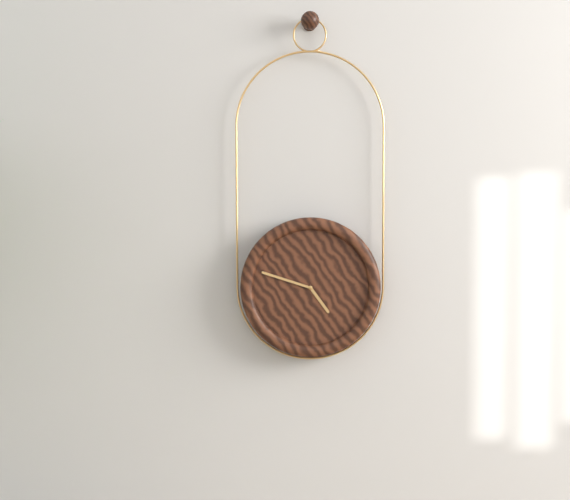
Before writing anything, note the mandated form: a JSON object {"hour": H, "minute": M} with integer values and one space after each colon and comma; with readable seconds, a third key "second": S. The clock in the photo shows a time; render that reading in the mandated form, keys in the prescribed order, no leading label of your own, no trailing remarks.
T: {"hour": 4, "minute": 48}
